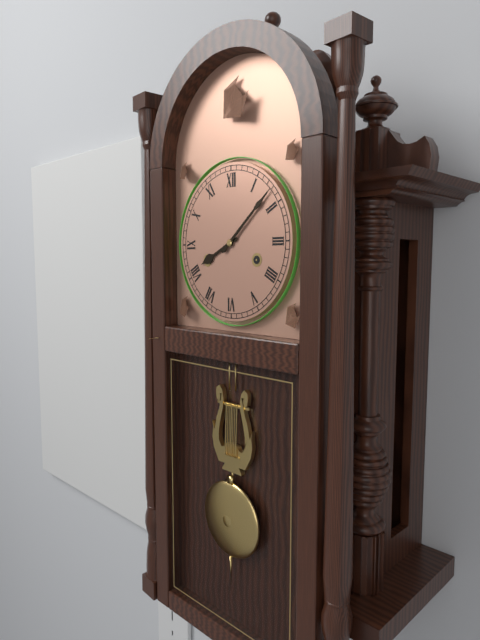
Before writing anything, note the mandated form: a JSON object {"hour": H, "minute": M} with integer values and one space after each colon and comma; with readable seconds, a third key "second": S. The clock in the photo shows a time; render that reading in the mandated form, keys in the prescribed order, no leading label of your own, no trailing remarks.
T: {"hour": 8, "minute": 8}
